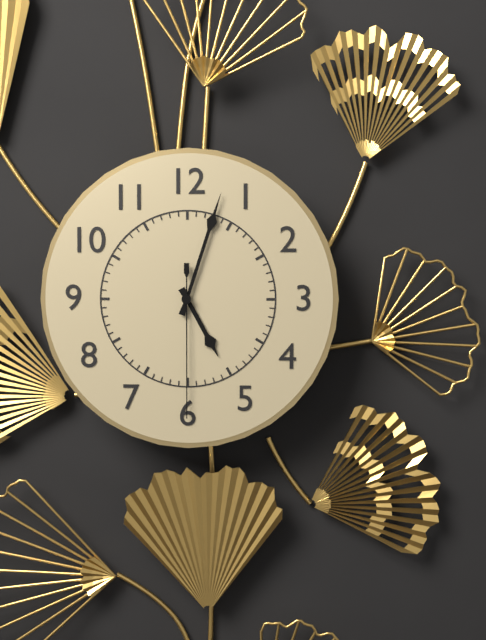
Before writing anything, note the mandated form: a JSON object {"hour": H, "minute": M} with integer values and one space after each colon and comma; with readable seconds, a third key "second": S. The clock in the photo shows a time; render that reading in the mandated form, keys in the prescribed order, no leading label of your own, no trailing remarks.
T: {"hour": 5, "minute": 3, "second": 30}
